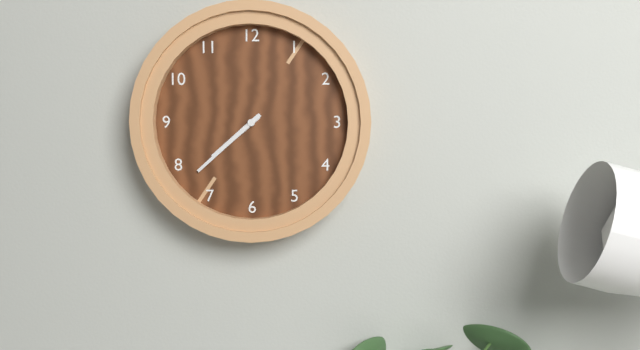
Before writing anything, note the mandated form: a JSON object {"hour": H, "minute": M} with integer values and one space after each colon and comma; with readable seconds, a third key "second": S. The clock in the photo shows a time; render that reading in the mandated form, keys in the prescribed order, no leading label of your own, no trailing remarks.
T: {"hour": 7, "minute": 38}
